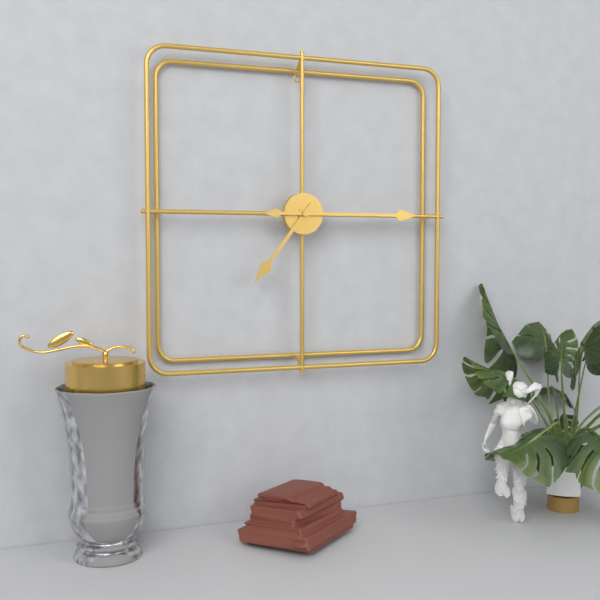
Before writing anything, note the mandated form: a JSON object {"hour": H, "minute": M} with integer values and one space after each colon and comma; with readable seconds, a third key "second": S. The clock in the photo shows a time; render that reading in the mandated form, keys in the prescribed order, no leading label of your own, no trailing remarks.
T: {"hour": 7, "minute": 15}
